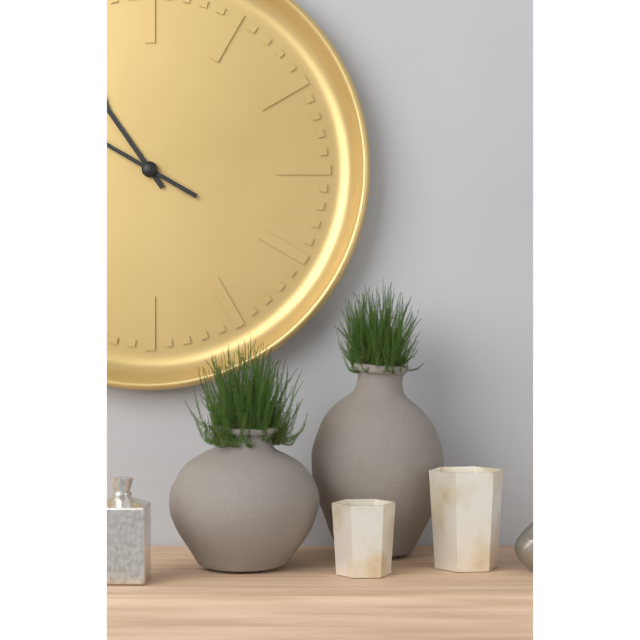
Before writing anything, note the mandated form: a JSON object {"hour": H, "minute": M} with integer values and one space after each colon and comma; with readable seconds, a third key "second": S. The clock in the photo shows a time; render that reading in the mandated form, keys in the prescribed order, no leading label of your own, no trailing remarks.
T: {"hour": 10, "minute": 50}
